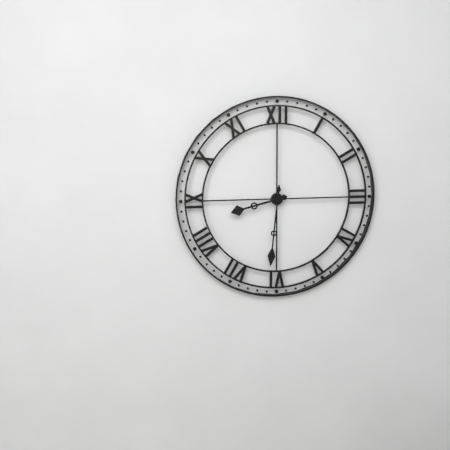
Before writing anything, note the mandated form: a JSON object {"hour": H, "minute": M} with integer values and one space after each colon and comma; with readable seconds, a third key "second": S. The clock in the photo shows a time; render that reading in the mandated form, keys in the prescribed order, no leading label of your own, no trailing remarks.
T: {"hour": 8, "minute": 31}
